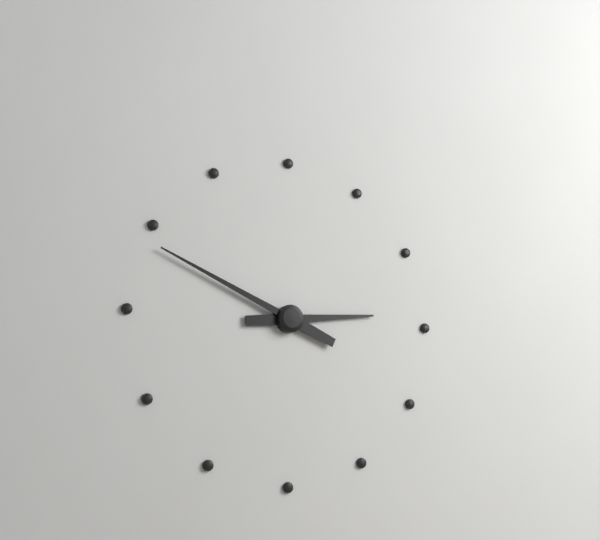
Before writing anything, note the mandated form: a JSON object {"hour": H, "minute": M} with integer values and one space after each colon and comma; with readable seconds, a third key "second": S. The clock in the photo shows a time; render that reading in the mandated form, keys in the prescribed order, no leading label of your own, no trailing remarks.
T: {"hour": 2, "minute": 49}
